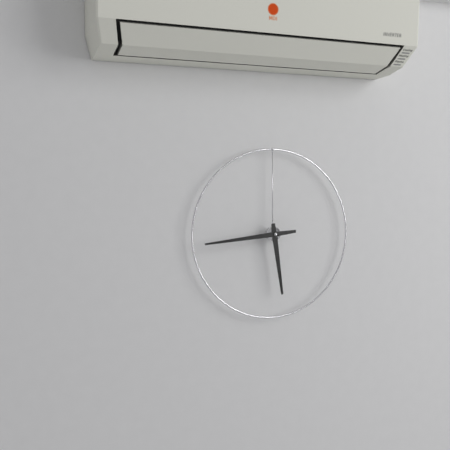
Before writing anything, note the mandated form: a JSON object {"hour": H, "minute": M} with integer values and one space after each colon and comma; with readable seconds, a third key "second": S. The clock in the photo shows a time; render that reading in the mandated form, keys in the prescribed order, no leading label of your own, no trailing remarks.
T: {"hour": 5, "minute": 44}
